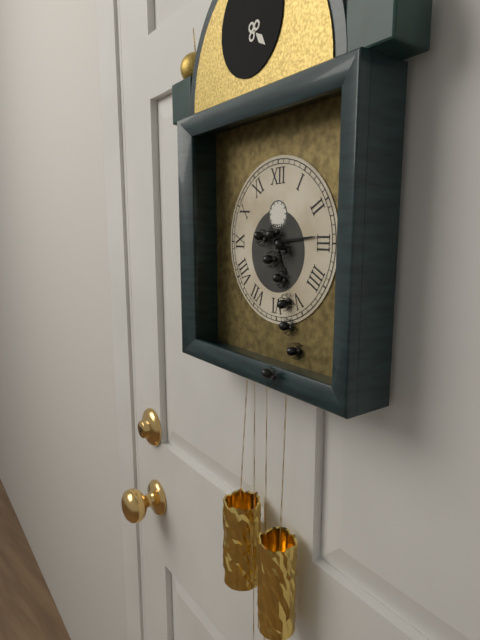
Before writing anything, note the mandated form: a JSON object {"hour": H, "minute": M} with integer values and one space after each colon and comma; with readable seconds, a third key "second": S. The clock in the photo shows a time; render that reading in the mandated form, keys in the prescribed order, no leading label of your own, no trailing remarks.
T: {"hour": 5, "minute": 14}
